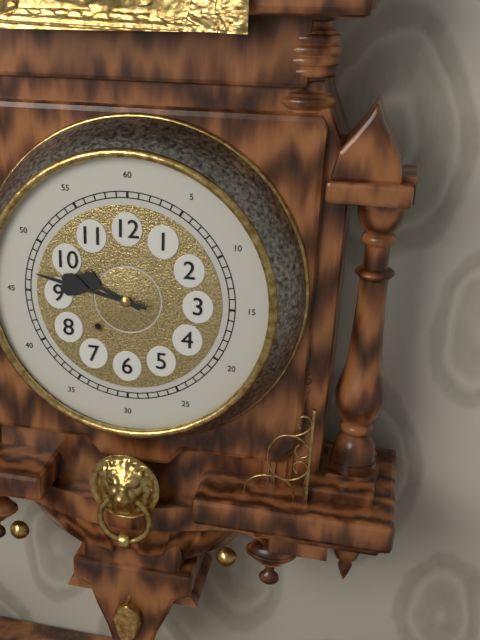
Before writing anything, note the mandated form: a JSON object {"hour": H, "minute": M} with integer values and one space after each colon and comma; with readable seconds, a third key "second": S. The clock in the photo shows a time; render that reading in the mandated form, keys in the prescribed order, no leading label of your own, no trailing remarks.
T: {"hour": 9, "minute": 47}
